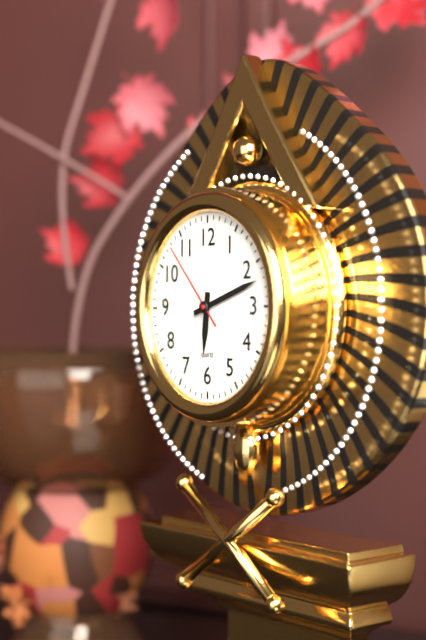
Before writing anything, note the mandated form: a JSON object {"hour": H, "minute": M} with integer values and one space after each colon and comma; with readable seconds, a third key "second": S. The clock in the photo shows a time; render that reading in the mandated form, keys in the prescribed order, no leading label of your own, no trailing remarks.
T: {"hour": 6, "minute": 12, "second": 53}
